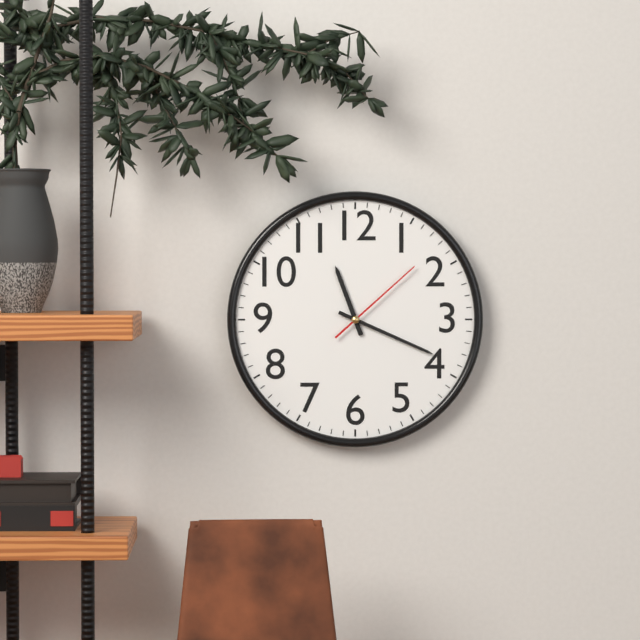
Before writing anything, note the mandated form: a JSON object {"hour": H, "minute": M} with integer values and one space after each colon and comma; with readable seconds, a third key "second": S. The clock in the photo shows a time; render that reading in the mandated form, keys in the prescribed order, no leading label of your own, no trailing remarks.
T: {"hour": 11, "minute": 19, "second": 8}
